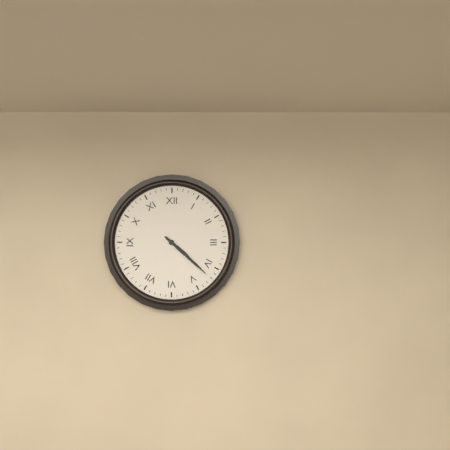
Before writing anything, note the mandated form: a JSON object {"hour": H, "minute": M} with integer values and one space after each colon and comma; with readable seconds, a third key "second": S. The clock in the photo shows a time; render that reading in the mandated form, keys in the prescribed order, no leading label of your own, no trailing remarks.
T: {"hour": 4, "minute": 22}
